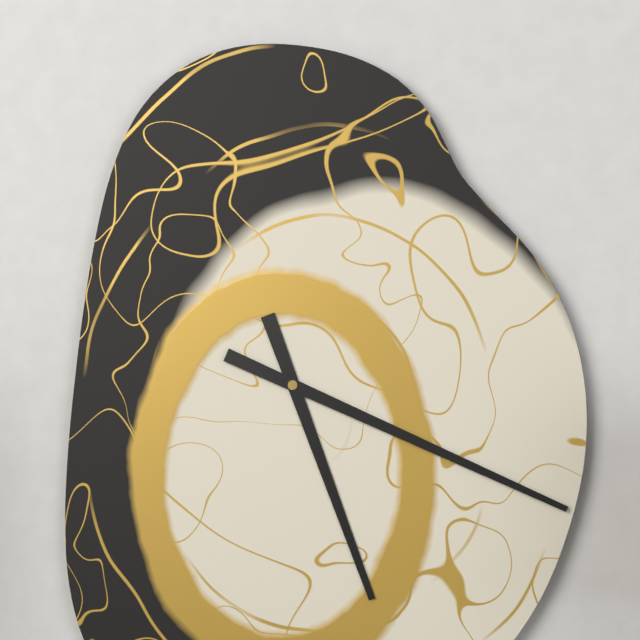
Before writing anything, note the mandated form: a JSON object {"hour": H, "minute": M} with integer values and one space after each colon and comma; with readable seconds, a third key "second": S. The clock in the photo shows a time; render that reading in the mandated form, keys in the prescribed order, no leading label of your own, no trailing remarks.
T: {"hour": 5, "minute": 19}
